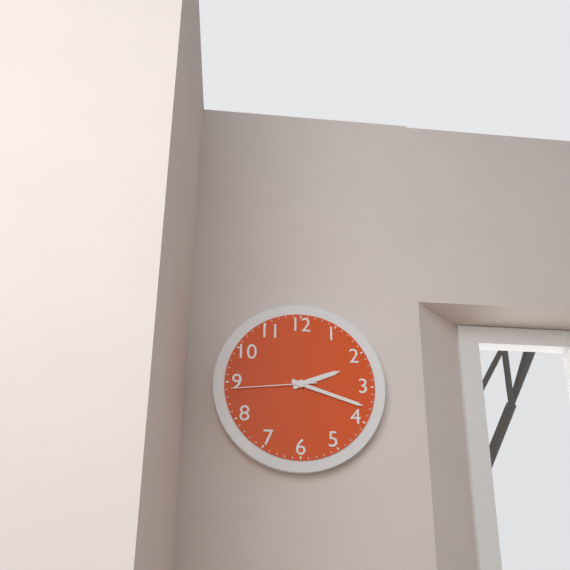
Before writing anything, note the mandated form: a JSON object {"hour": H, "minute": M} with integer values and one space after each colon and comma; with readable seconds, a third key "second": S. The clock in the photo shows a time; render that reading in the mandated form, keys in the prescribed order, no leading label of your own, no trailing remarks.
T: {"hour": 2, "minute": 18, "second": 44}
